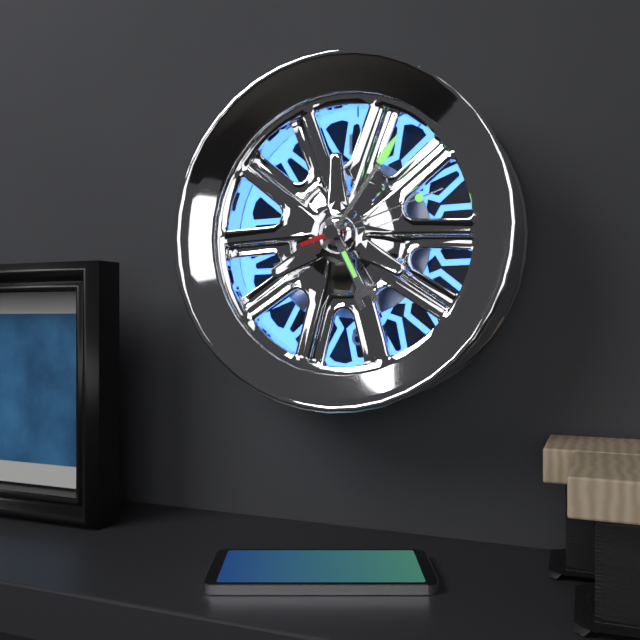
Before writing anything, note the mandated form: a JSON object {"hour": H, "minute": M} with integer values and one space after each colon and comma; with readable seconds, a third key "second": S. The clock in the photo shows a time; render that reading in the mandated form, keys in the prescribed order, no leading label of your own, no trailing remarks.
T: {"hour": 5, "minute": 6, "second": 12}
